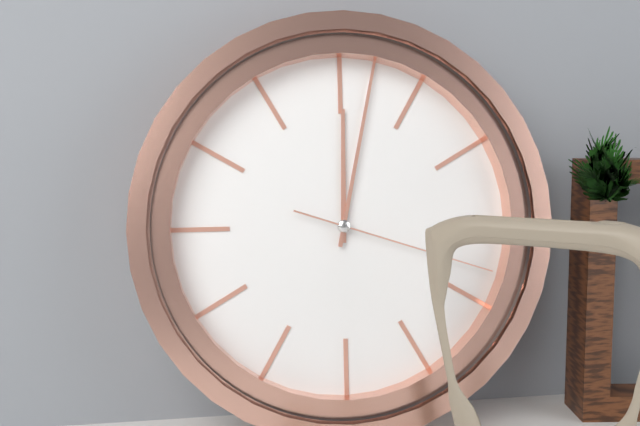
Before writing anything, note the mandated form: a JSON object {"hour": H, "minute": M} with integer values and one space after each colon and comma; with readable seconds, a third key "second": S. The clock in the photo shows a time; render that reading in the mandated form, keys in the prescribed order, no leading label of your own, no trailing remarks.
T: {"hour": 12, "minute": 2, "second": 18}
